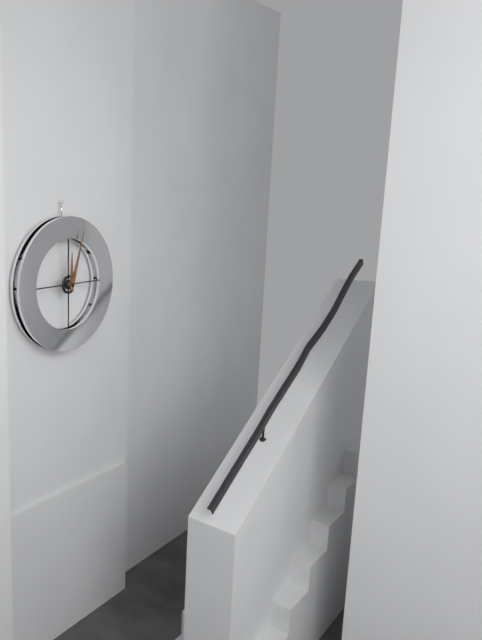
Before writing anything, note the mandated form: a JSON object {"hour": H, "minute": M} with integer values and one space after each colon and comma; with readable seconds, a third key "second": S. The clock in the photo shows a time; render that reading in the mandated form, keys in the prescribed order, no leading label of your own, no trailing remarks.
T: {"hour": 12, "minute": 3}
